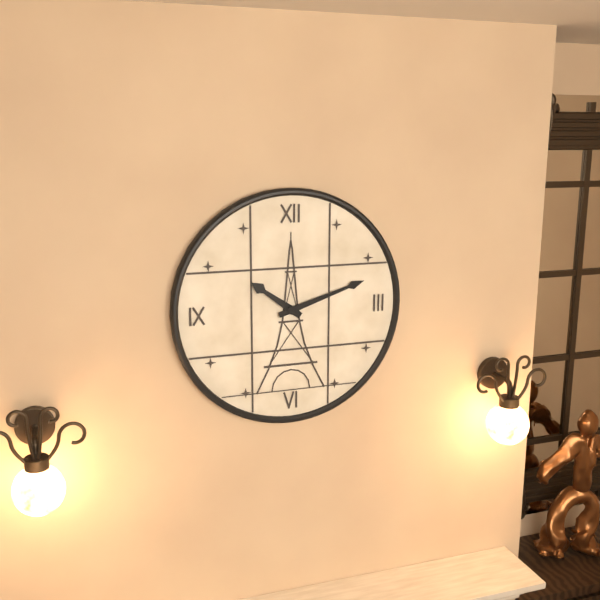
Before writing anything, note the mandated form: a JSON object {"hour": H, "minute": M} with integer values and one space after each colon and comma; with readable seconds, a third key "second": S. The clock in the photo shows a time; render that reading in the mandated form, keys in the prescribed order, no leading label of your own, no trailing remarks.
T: {"hour": 10, "minute": 12}
